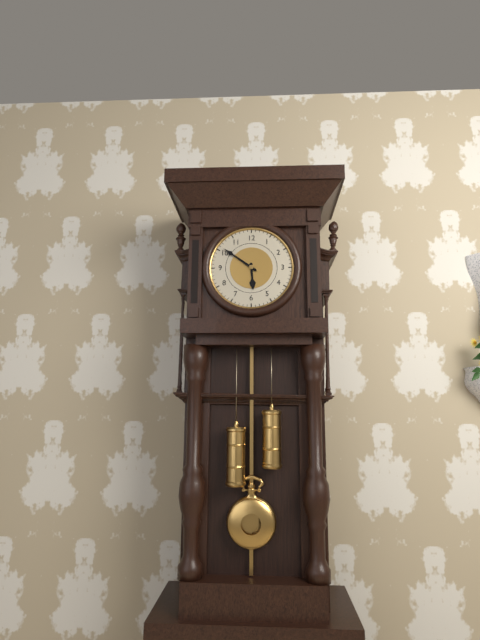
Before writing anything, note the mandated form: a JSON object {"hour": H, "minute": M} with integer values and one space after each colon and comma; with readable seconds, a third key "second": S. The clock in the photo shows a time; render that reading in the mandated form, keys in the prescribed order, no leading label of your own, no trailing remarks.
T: {"hour": 5, "minute": 51}
